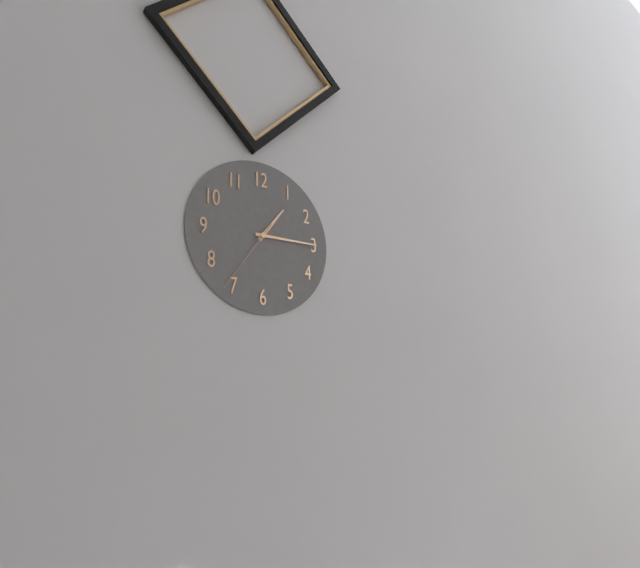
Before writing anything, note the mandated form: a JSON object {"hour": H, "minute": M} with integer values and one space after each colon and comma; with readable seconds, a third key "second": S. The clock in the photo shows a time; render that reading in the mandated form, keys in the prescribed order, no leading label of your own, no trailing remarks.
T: {"hour": 1, "minute": 15, "second": 36}
